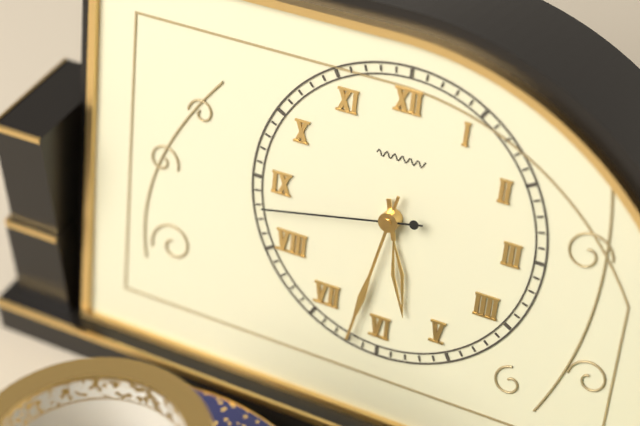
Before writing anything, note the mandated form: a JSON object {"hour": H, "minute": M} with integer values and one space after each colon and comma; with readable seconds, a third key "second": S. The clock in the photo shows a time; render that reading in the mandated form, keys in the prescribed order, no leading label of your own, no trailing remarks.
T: {"hour": 5, "minute": 32, "second": 43}
